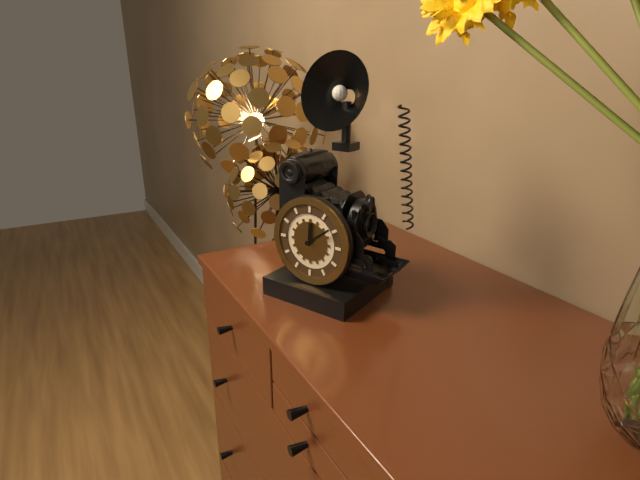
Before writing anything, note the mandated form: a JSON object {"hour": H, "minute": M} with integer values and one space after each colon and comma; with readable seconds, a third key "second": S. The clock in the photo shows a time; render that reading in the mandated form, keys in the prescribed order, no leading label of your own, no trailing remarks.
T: {"hour": 12, "minute": 9}
